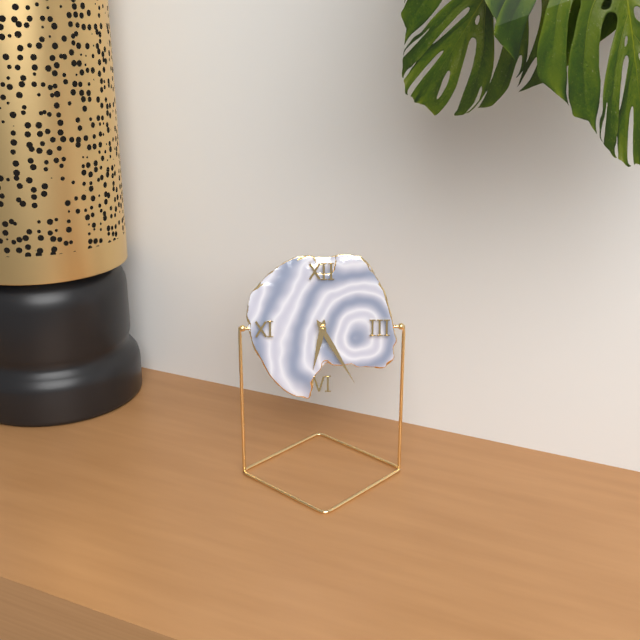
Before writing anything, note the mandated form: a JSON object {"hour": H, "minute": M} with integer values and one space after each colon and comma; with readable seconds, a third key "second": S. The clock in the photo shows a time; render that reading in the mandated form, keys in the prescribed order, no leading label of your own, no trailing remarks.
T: {"hour": 6, "minute": 25}
